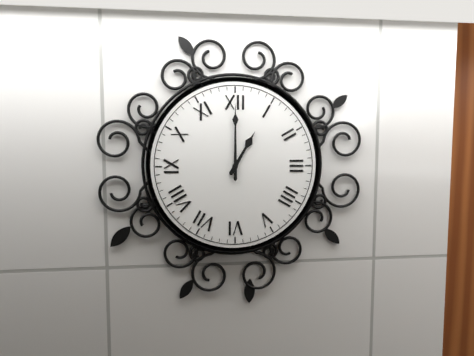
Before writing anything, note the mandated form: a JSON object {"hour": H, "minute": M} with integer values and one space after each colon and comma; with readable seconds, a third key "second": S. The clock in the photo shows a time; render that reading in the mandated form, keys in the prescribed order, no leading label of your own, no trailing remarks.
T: {"hour": 1, "minute": 0}
